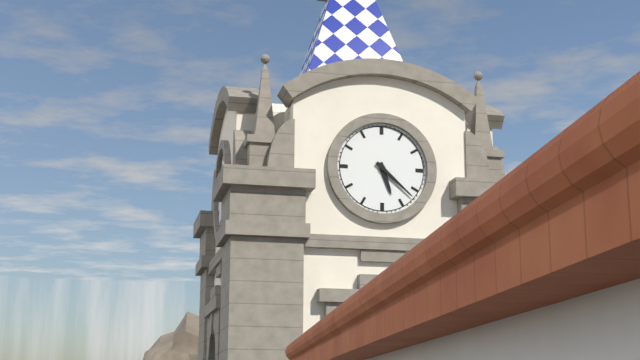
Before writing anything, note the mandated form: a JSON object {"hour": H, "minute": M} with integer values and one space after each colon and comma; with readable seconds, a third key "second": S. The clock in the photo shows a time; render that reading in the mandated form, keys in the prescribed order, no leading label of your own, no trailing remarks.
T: {"hour": 5, "minute": 22}
